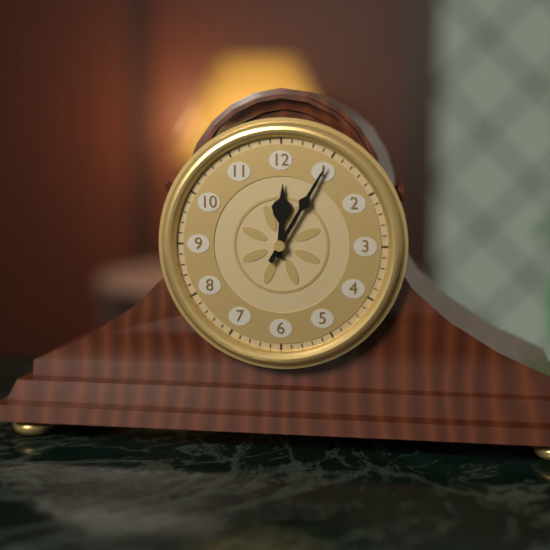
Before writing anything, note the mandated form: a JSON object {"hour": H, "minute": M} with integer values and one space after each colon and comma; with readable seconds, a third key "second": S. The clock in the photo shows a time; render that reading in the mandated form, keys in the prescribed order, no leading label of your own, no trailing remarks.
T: {"hour": 12, "minute": 5}
